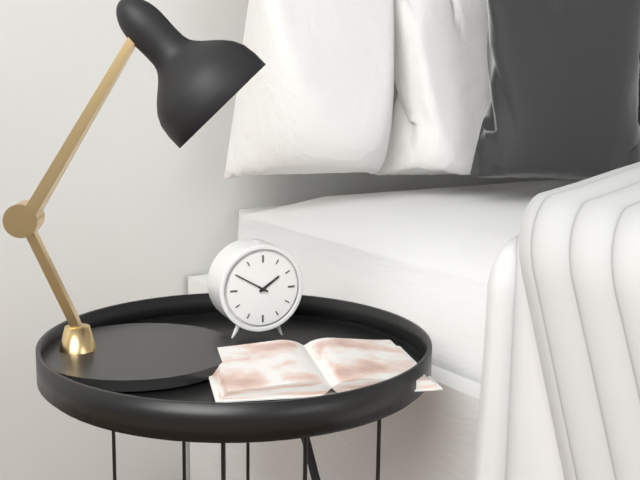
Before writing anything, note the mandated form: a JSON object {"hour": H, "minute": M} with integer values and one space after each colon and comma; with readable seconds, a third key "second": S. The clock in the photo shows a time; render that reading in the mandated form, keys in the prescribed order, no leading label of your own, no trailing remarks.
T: {"hour": 1, "minute": 50}
